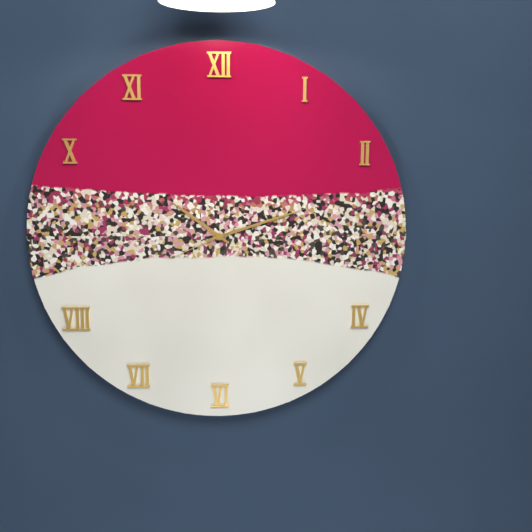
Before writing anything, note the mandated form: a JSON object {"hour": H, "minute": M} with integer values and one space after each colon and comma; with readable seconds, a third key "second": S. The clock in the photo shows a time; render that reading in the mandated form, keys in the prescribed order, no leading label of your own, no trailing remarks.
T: {"hour": 10, "minute": 12, "second": 41}
